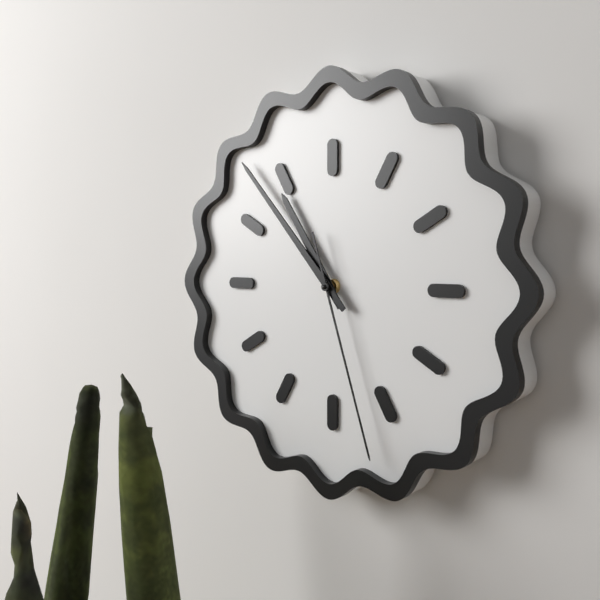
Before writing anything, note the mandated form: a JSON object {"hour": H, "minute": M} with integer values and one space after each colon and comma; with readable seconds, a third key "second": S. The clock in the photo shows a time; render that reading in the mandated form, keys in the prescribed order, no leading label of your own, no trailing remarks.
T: {"hour": 10, "minute": 53, "second": 27}
